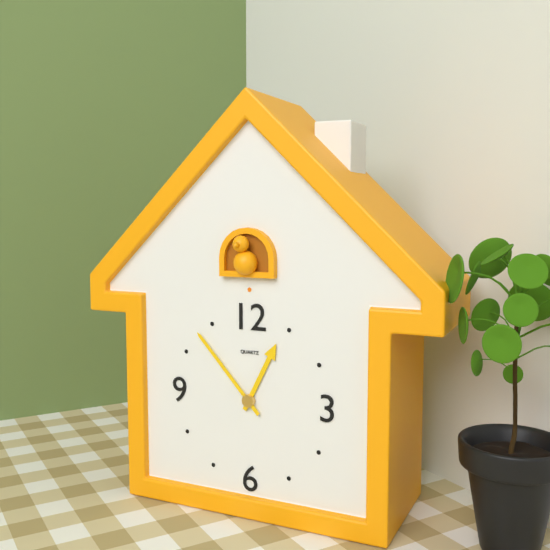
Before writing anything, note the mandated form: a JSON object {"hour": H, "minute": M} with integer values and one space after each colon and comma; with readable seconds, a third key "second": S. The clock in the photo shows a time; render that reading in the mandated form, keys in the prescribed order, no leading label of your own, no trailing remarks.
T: {"hour": 12, "minute": 53}
